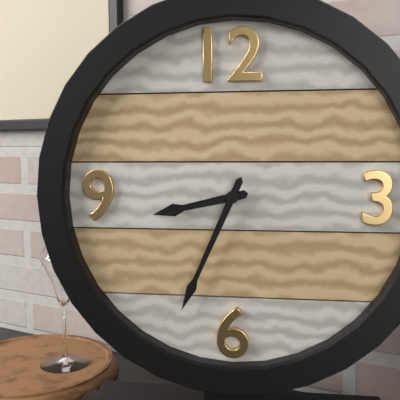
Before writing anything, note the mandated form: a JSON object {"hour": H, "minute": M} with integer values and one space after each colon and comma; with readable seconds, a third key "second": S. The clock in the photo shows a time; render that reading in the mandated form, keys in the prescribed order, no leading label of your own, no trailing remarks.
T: {"hour": 8, "minute": 34}
